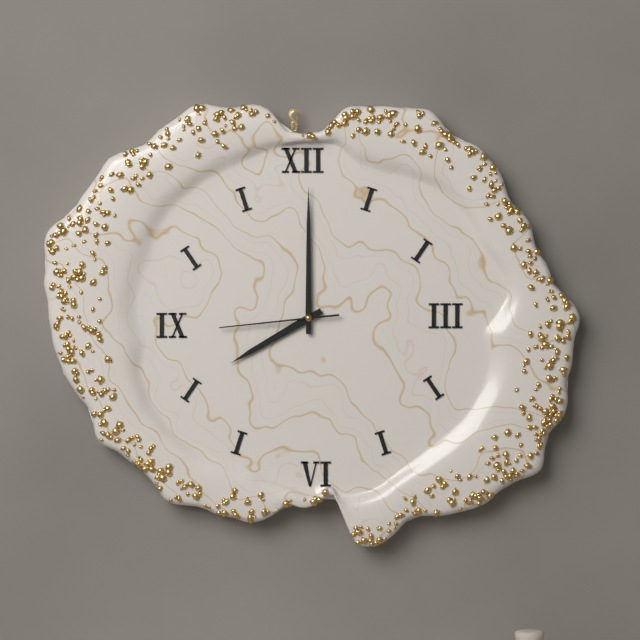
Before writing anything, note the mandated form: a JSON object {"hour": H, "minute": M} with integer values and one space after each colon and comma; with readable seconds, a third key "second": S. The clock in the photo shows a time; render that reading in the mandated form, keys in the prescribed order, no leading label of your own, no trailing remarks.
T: {"hour": 8, "minute": 0, "second": 44}
